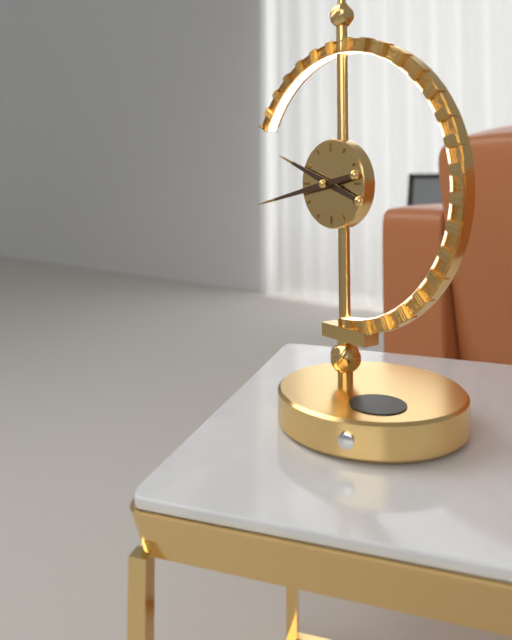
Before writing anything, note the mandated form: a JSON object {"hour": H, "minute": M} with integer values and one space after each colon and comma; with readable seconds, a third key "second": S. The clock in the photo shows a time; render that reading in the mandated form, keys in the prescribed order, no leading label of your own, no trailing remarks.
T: {"hour": 9, "minute": 43}
